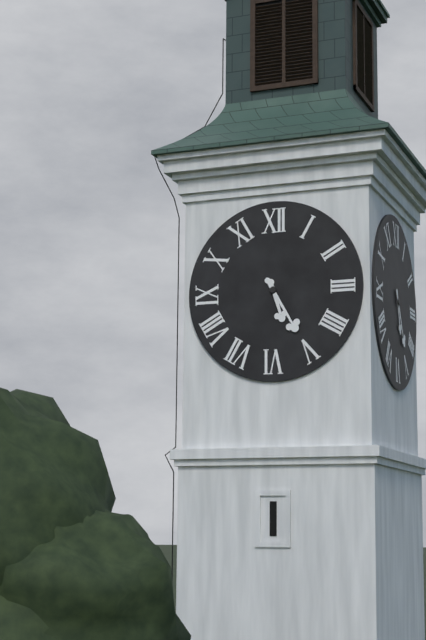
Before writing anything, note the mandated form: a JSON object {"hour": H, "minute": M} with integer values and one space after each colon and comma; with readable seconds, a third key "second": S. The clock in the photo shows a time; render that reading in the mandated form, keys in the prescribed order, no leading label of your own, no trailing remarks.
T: {"hour": 5, "minute": 25}
